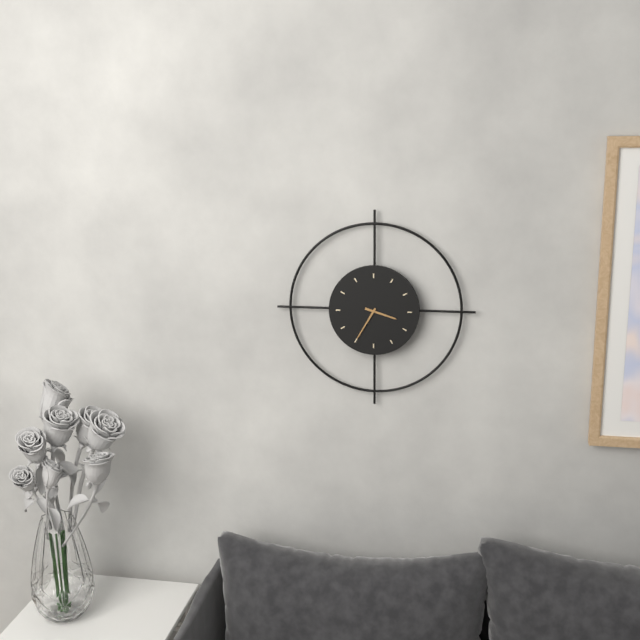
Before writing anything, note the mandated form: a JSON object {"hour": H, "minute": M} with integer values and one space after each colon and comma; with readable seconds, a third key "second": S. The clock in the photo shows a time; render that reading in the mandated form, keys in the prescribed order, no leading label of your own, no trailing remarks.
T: {"hour": 3, "minute": 35}
